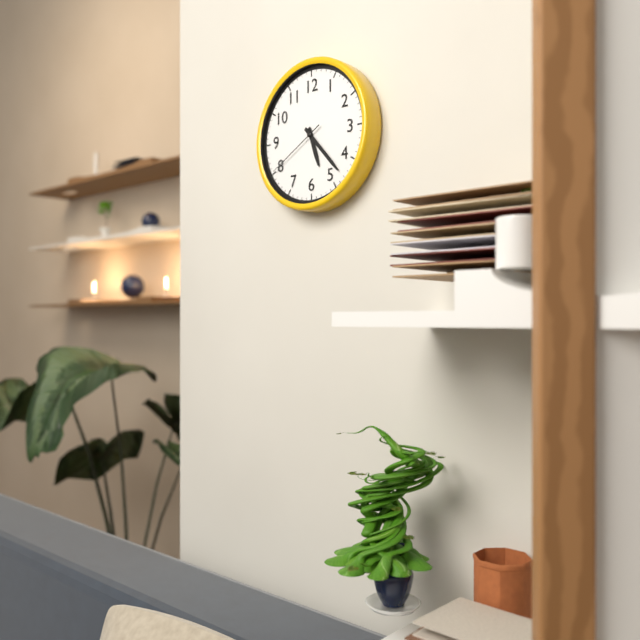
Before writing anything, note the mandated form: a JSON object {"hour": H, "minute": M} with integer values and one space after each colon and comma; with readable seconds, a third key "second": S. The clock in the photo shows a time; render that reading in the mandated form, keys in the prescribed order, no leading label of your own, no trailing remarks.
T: {"hour": 5, "minute": 23, "second": 40}
